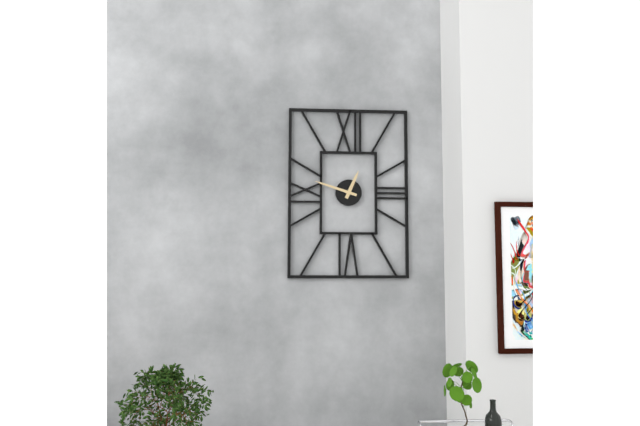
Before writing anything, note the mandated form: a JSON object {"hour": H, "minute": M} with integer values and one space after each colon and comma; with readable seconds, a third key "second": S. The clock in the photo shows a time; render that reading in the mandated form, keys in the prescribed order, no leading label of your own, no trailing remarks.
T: {"hour": 12, "minute": 48}
